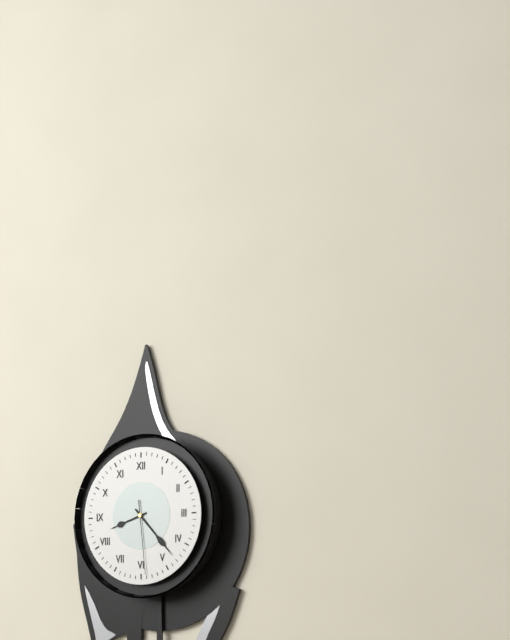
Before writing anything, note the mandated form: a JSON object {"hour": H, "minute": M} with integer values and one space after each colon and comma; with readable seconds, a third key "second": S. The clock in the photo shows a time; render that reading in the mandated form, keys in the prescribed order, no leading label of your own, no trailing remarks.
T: {"hour": 8, "minute": 23, "second": 29}
